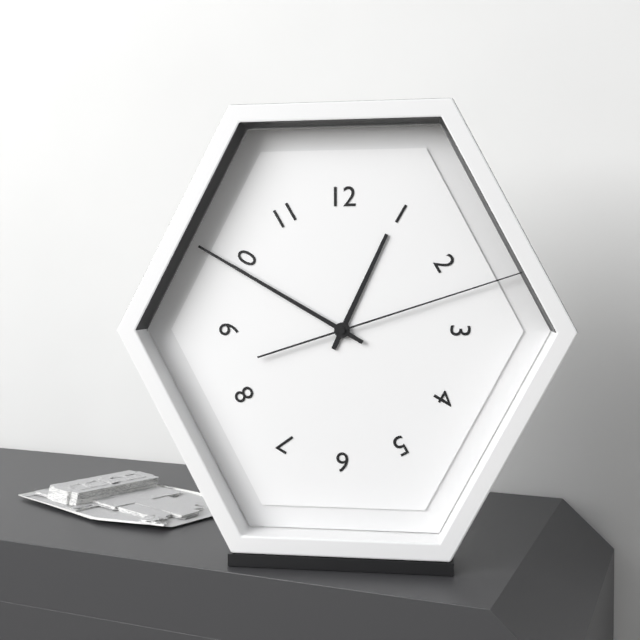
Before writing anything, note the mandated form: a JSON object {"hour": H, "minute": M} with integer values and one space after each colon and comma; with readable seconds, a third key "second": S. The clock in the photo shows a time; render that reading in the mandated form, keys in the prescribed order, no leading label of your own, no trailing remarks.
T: {"hour": 12, "minute": 50, "second": 12}
